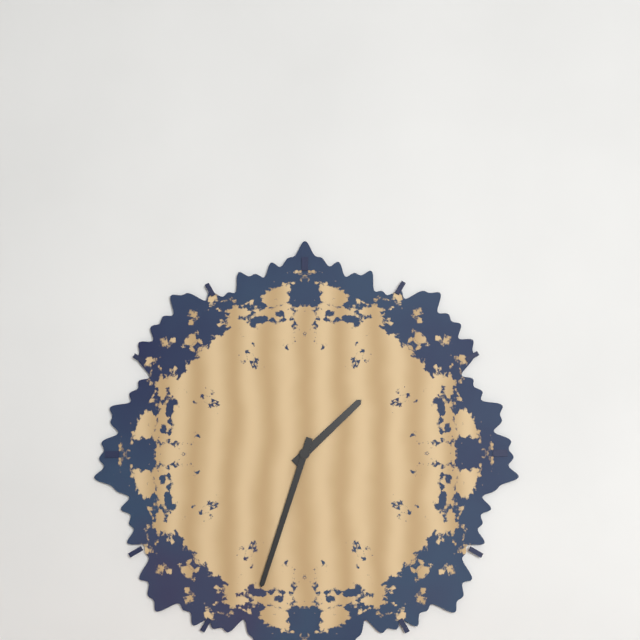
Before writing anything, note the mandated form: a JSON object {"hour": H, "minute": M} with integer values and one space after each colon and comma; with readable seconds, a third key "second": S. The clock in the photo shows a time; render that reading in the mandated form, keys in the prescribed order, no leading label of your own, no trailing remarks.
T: {"hour": 1, "minute": 33}
